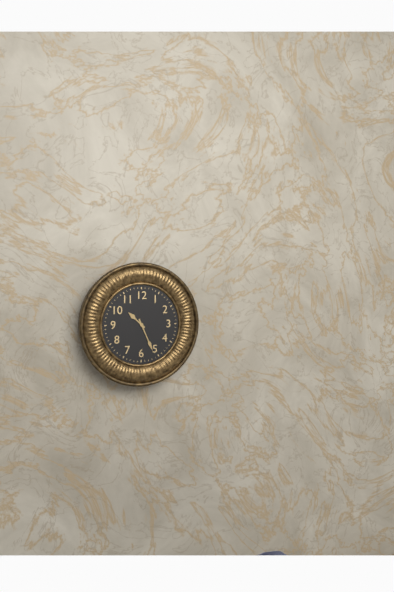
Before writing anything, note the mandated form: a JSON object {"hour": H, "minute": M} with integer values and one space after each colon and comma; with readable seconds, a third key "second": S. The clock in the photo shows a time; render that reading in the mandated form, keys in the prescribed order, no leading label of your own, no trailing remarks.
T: {"hour": 10, "minute": 26}
